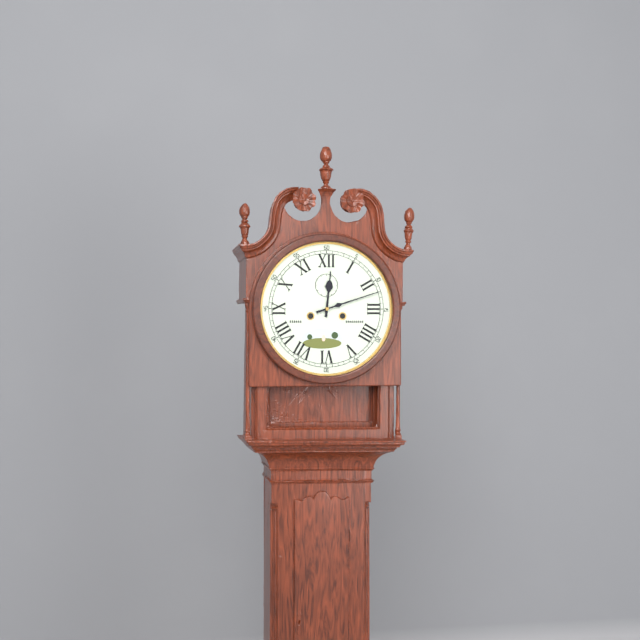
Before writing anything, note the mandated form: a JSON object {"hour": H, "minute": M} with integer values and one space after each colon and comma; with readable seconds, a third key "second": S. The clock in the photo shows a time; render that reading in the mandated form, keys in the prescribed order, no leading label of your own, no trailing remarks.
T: {"hour": 12, "minute": 12}
